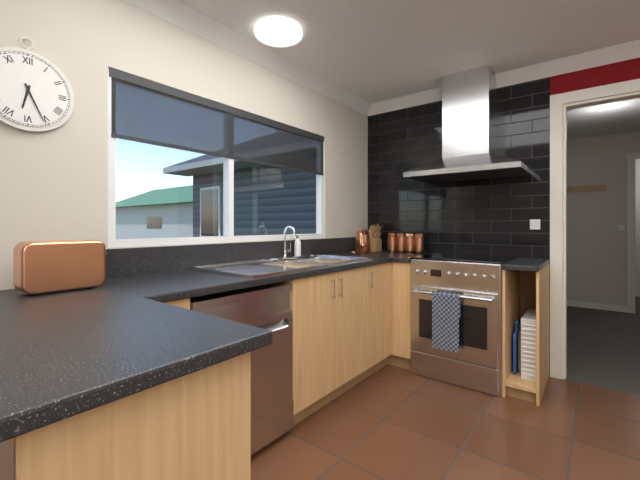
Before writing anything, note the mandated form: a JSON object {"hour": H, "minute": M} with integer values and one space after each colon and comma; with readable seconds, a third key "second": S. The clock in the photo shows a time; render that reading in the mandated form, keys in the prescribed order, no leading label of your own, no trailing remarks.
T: {"hour": 6, "minute": 26}
